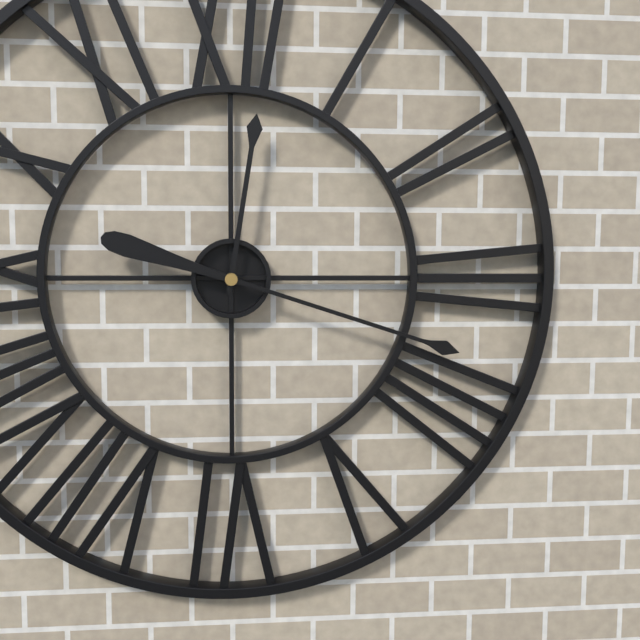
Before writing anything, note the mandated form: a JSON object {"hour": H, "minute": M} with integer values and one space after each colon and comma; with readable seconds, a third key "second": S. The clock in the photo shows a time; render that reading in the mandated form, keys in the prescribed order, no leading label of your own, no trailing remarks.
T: {"hour": 12, "minute": 18}
